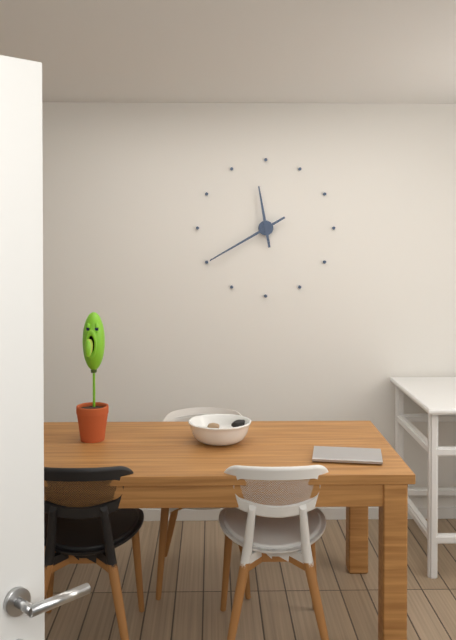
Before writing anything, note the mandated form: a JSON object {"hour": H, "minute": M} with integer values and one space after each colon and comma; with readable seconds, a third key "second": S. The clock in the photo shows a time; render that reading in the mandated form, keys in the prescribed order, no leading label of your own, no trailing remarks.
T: {"hour": 11, "minute": 40}
